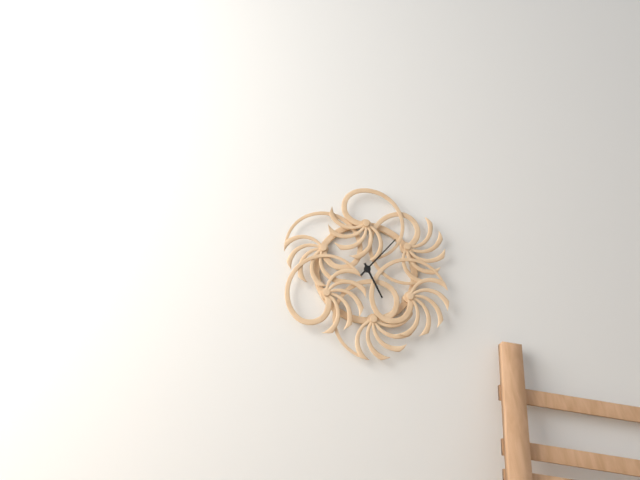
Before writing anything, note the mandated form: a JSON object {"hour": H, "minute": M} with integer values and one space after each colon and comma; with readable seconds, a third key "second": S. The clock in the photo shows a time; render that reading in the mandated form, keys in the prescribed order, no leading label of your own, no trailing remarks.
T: {"hour": 5, "minute": 7}
